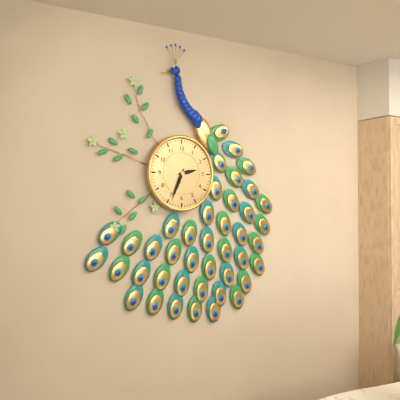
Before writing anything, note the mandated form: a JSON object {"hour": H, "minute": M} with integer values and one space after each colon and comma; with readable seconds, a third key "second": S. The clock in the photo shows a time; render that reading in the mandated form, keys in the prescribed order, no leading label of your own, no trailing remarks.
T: {"hour": 2, "minute": 34}
